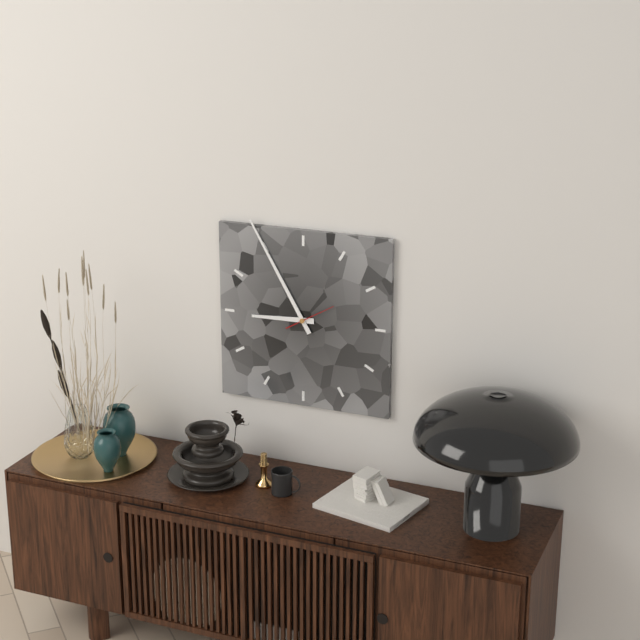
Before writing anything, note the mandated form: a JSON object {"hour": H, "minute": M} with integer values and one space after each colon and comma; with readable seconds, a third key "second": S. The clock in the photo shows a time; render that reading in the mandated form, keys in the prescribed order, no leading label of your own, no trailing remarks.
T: {"hour": 8, "minute": 55}
